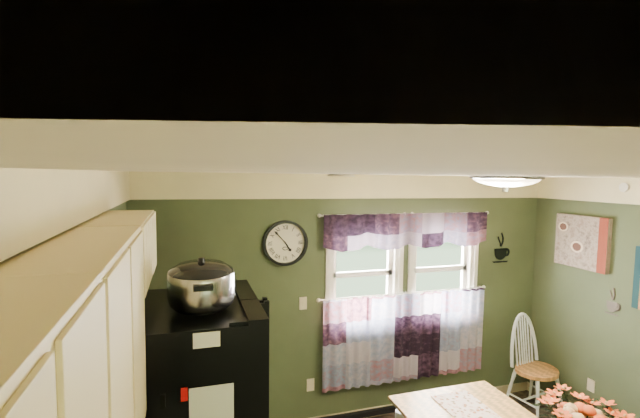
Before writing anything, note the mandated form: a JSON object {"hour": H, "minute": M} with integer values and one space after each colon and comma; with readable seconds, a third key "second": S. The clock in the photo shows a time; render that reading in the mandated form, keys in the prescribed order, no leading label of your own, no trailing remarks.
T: {"hour": 4, "minute": 53}
